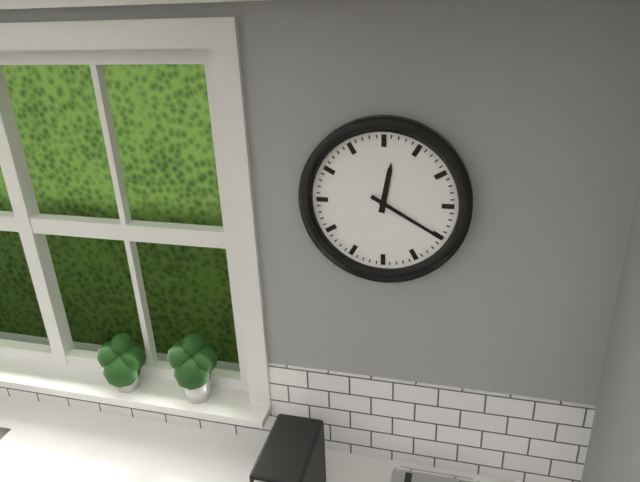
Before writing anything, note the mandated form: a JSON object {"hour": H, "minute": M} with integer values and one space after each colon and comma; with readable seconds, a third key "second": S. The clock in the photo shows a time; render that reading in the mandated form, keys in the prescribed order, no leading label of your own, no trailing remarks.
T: {"hour": 12, "minute": 20}
